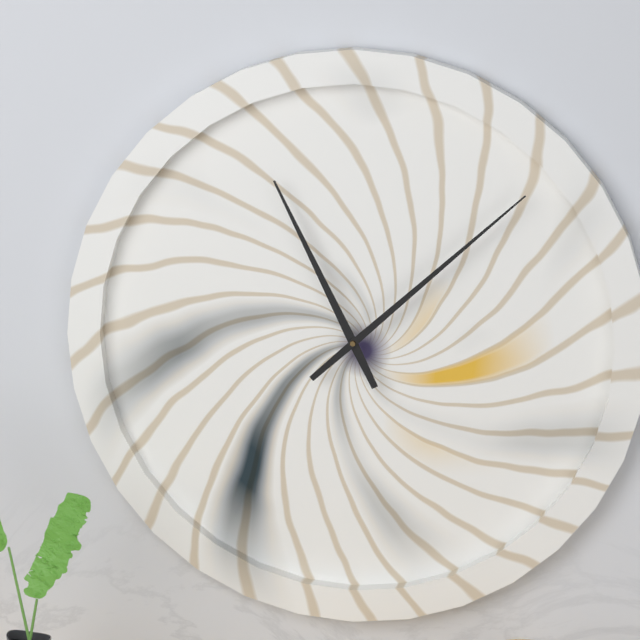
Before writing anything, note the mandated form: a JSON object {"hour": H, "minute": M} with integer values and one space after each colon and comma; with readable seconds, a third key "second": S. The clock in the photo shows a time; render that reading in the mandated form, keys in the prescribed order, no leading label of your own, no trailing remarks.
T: {"hour": 11, "minute": 8}
